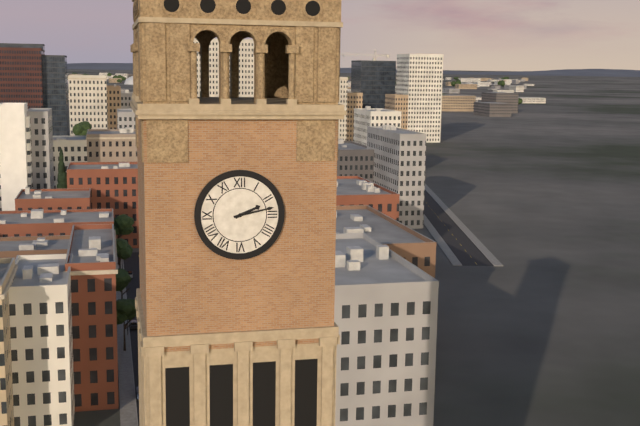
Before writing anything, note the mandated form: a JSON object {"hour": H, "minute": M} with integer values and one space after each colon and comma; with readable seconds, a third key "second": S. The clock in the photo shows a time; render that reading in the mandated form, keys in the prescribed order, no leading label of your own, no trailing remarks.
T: {"hour": 2, "minute": 13}
